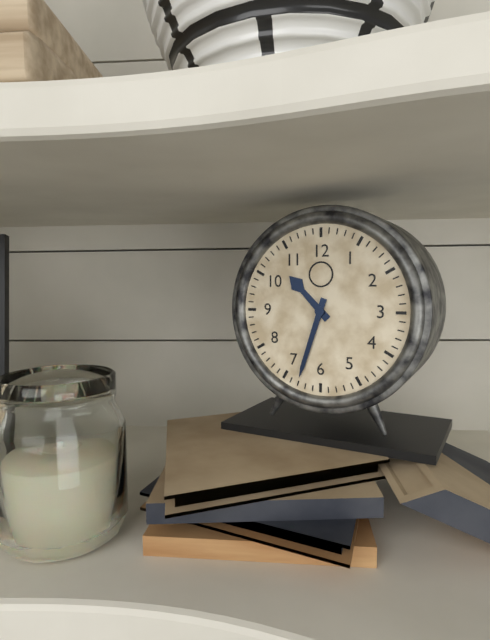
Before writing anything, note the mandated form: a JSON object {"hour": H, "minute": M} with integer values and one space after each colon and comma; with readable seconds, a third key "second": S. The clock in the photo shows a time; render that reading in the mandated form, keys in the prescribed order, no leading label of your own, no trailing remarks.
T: {"hour": 10, "minute": 33}
